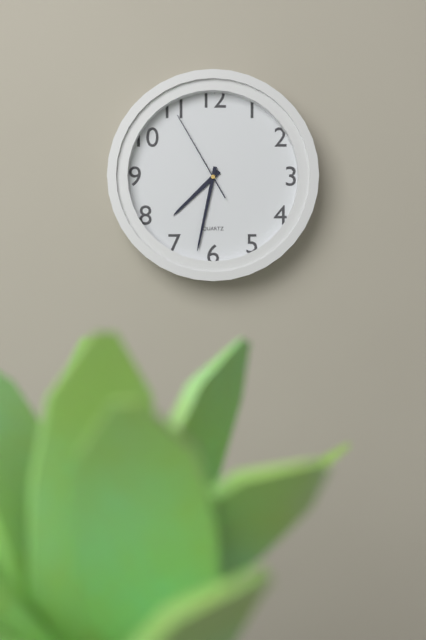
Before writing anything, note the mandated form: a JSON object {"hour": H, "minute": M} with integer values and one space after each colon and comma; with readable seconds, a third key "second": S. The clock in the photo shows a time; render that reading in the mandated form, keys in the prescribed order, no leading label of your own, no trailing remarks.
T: {"hour": 7, "minute": 32, "second": 55}
